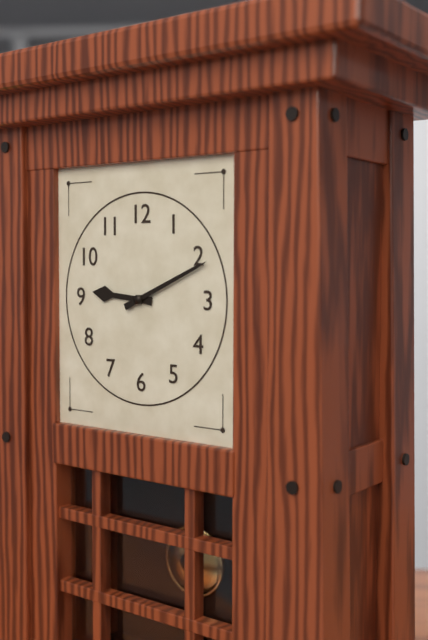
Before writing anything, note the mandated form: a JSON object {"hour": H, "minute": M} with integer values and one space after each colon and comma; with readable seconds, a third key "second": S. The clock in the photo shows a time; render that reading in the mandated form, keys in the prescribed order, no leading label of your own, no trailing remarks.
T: {"hour": 9, "minute": 11}
